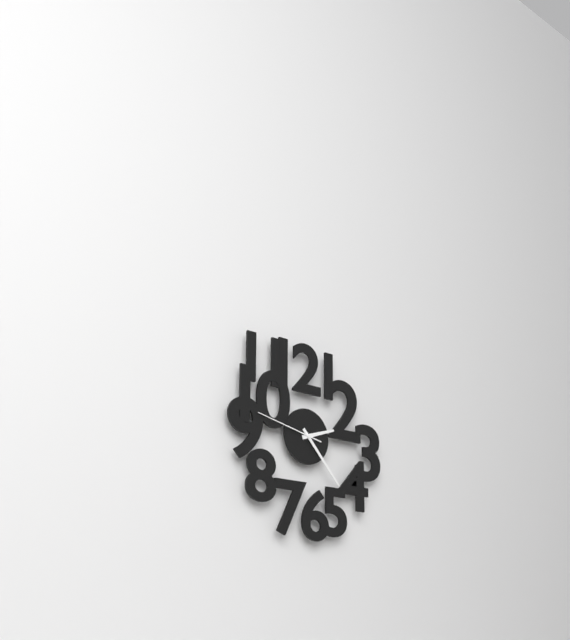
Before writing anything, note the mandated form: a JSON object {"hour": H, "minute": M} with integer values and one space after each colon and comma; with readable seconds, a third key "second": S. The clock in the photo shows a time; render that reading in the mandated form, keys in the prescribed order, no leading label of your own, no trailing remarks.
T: {"hour": 2, "minute": 23, "second": 47}
